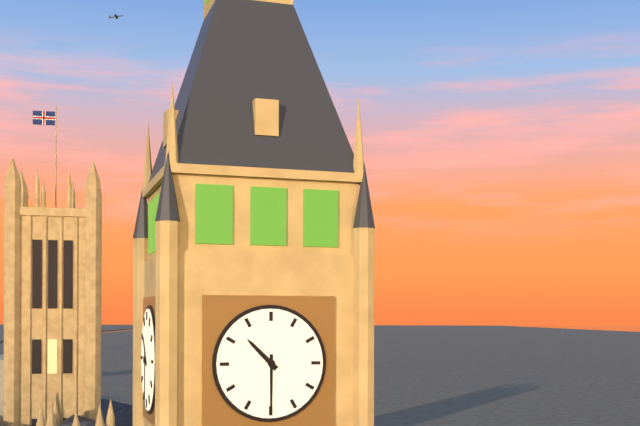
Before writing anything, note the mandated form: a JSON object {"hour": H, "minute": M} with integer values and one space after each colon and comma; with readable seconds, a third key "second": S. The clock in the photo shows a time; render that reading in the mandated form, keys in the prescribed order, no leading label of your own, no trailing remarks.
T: {"hour": 10, "minute": 30}
